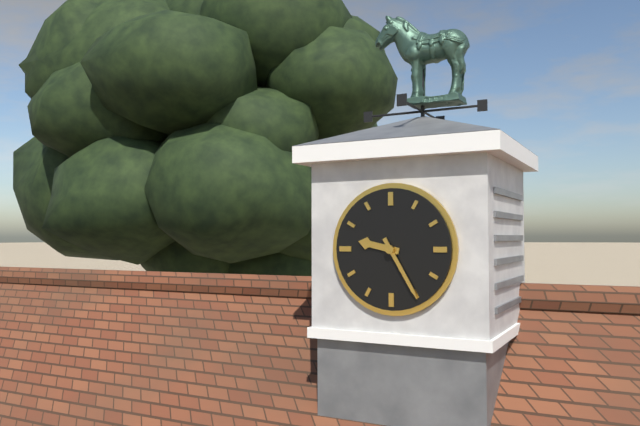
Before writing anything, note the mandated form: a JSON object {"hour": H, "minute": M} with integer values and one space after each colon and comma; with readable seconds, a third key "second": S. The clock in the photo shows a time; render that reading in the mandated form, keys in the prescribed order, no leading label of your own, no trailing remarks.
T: {"hour": 9, "minute": 25}
